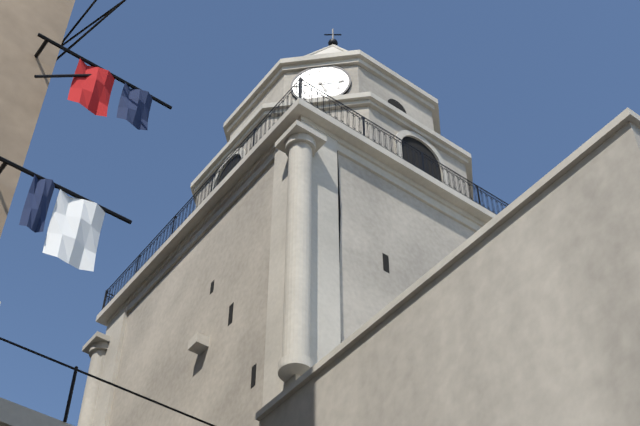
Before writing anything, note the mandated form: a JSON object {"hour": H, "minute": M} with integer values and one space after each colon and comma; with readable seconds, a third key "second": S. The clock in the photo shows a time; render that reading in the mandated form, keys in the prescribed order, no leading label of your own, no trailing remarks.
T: {"hour": 5, "minute": 15}
